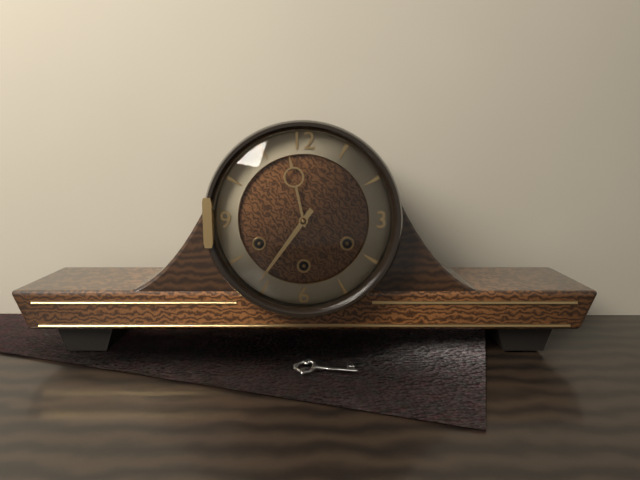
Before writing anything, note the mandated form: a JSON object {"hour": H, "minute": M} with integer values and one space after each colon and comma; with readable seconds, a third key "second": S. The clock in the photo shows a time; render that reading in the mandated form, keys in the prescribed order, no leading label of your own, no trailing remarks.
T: {"hour": 11, "minute": 36}
